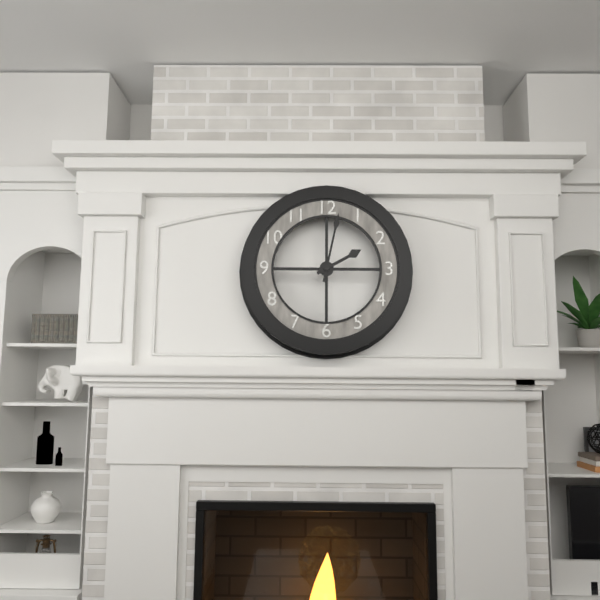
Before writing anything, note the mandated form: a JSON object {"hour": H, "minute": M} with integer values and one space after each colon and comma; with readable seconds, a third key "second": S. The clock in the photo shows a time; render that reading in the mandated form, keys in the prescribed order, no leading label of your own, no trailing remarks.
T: {"hour": 2, "minute": 2}
